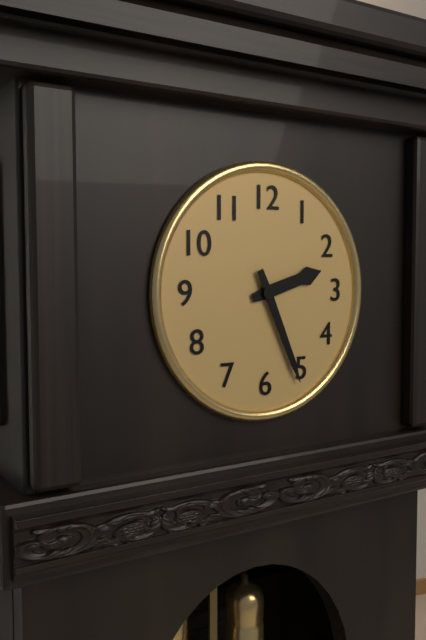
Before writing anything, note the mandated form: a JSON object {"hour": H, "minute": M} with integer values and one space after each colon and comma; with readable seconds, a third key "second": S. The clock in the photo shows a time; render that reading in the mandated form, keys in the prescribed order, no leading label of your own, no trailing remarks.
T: {"hour": 2, "minute": 26}
